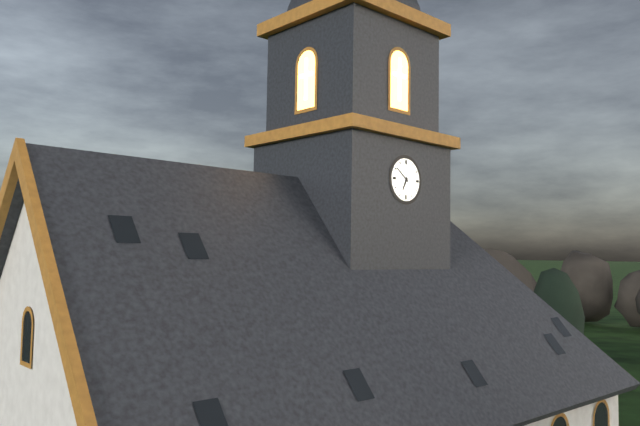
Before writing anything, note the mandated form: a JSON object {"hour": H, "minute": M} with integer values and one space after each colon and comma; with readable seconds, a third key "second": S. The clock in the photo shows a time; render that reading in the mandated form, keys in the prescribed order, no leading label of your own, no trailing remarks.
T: {"hour": 6, "minute": 51}
